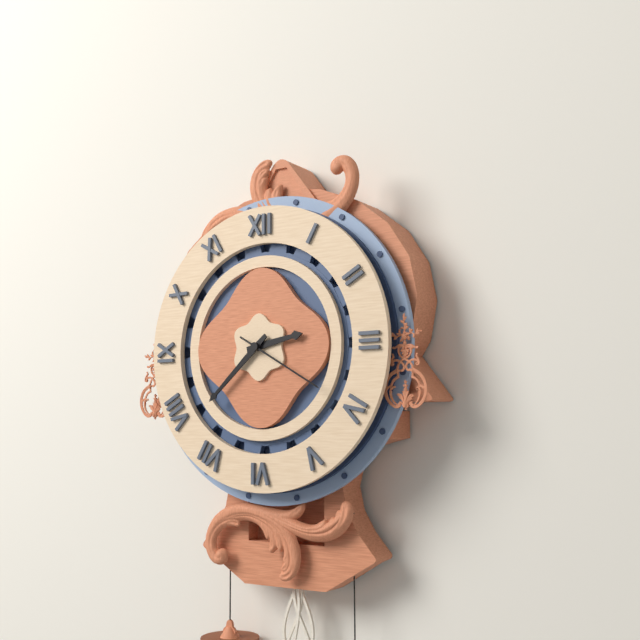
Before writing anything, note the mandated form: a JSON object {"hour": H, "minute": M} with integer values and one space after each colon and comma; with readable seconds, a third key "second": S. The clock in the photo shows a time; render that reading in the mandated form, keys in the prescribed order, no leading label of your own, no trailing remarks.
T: {"hour": 2, "minute": 38, "second": 20}
